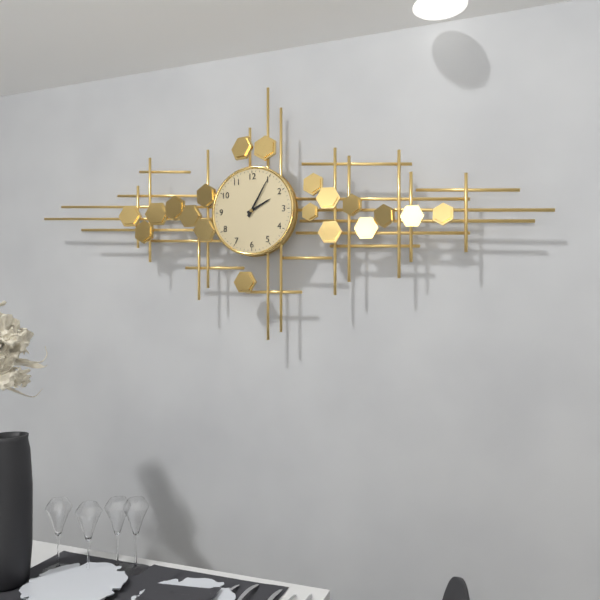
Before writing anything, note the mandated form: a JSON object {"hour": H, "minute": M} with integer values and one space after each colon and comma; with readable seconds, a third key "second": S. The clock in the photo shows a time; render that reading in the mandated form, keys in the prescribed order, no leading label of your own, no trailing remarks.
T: {"hour": 2, "minute": 5}
